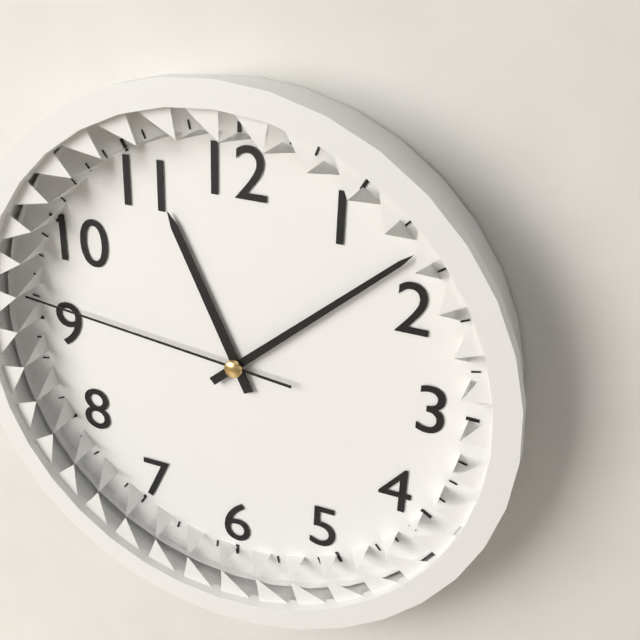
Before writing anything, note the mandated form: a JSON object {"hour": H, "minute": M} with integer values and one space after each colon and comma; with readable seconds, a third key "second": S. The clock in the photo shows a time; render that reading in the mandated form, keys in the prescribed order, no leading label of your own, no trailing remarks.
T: {"hour": 11, "minute": 8, "second": 46}
